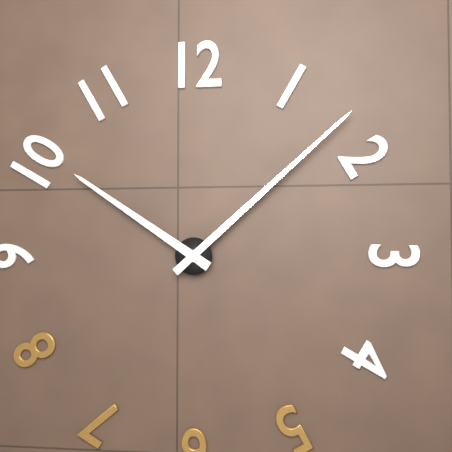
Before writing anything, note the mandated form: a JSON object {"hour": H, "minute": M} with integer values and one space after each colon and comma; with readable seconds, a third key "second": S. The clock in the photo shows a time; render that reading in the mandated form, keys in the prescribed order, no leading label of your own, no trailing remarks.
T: {"hour": 10, "minute": 8}
